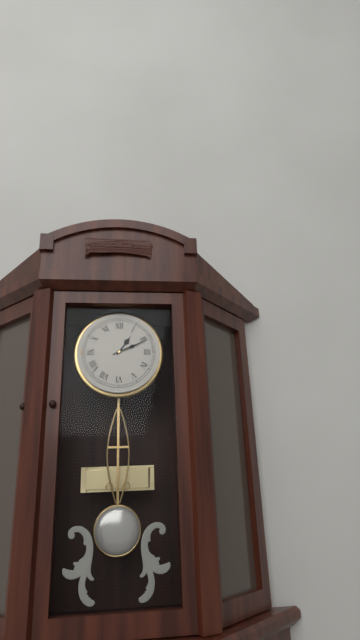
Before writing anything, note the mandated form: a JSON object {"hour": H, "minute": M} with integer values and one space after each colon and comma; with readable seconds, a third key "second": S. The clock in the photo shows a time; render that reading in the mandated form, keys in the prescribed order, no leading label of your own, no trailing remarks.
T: {"hour": 1, "minute": 11}
